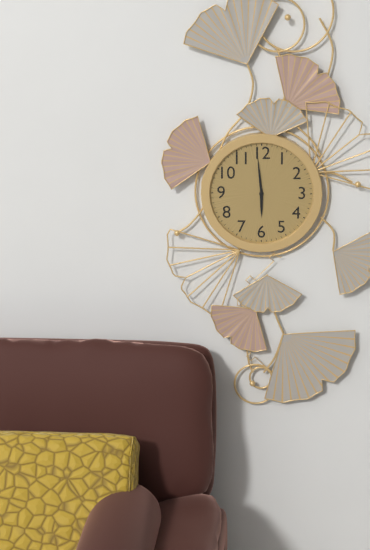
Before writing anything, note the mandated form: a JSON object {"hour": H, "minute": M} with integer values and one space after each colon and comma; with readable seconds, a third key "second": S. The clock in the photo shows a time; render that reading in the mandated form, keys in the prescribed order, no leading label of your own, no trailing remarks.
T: {"hour": 5, "minute": 59}
